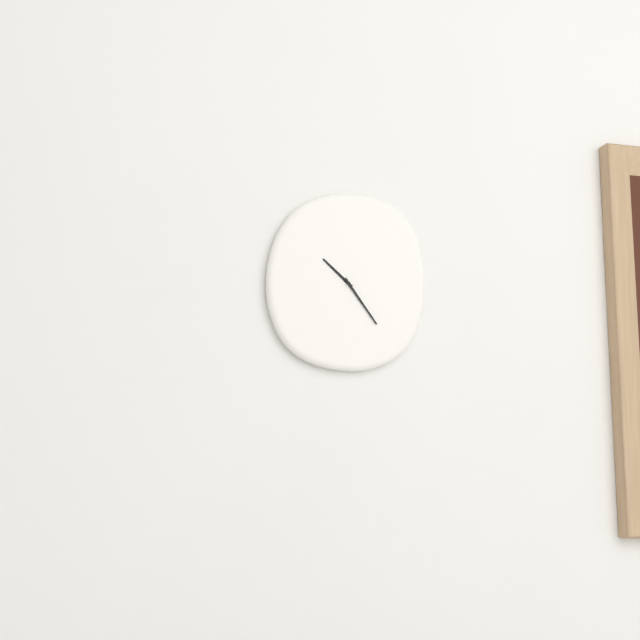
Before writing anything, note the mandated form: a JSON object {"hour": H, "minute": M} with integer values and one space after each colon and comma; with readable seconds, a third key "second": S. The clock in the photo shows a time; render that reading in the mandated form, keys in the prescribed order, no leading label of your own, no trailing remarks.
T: {"hour": 10, "minute": 24}
